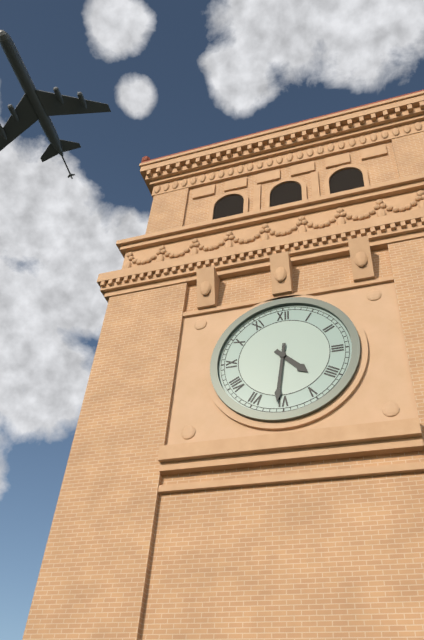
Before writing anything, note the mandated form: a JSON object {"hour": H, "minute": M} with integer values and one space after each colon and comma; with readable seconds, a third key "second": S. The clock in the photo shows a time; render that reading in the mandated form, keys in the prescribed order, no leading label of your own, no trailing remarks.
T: {"hour": 4, "minute": 31}
